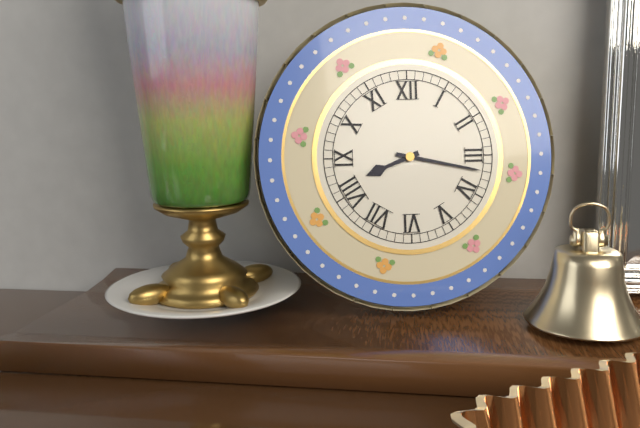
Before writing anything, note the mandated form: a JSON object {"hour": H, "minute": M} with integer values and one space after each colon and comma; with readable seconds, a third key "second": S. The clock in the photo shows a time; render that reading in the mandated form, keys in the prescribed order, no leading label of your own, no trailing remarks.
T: {"hour": 8, "minute": 17}
